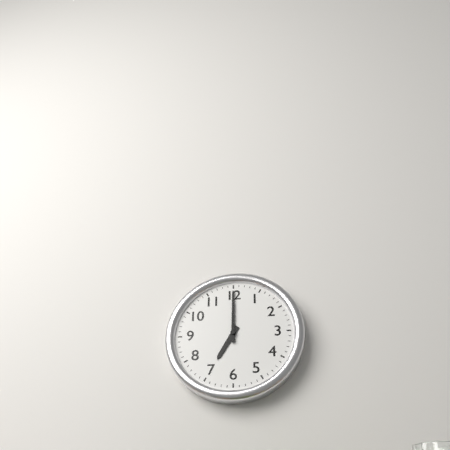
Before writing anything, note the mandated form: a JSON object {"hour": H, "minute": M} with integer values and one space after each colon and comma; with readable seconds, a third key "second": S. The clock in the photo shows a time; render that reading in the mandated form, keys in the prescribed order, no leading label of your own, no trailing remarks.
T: {"hour": 7, "minute": 0}
